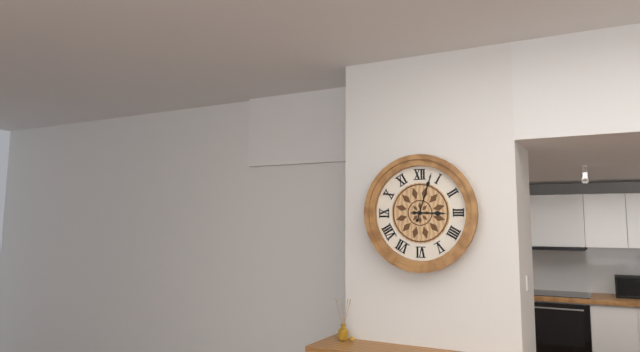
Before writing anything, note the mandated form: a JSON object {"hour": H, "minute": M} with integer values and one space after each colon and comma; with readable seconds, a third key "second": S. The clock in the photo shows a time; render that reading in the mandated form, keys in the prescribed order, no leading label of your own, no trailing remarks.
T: {"hour": 3, "minute": 3}
